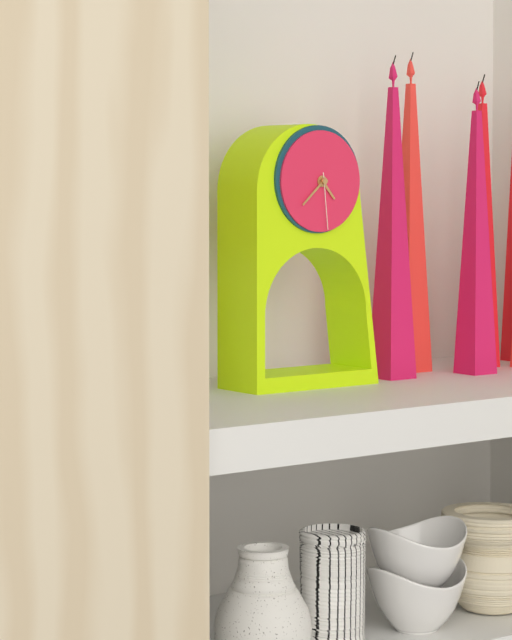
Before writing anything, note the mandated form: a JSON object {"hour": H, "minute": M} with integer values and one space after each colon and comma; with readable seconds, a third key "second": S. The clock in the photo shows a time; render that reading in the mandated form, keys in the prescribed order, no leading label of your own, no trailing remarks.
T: {"hour": 4, "minute": 38, "second": 29}
